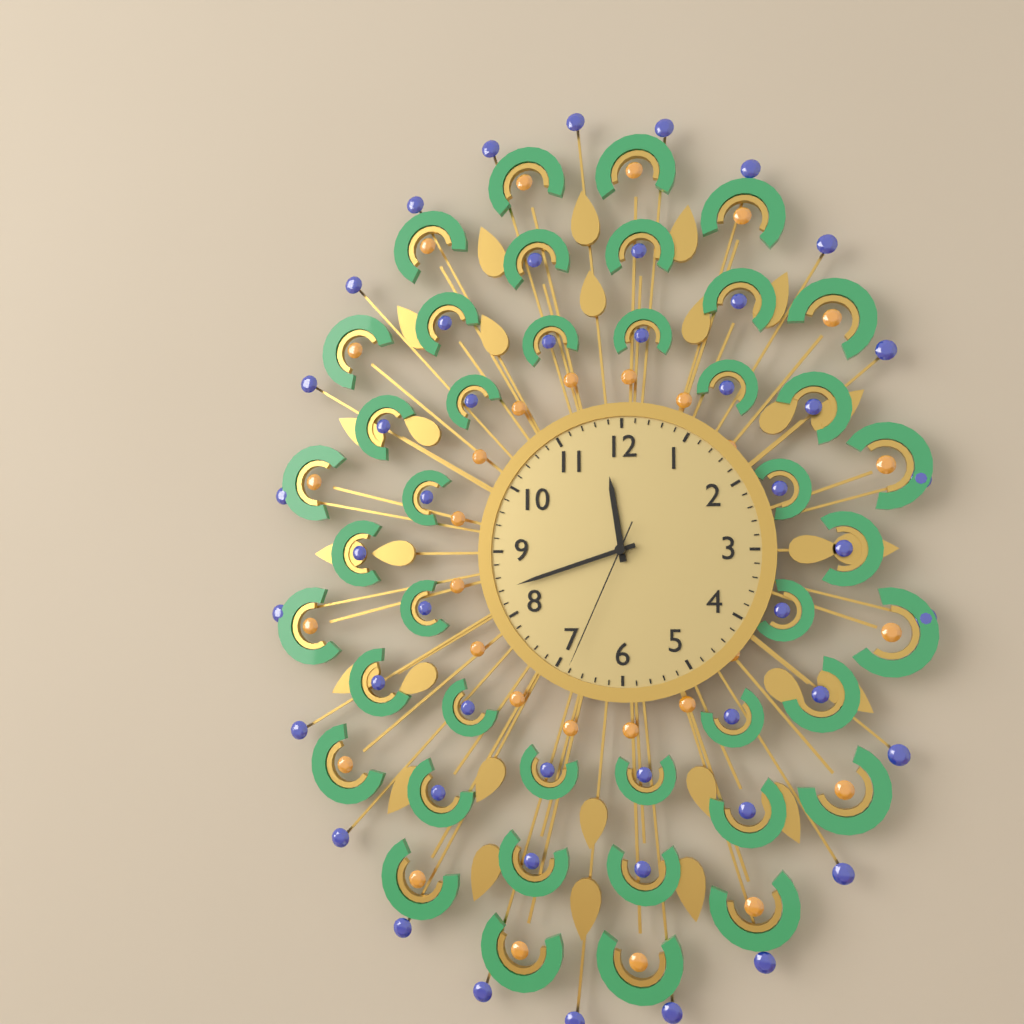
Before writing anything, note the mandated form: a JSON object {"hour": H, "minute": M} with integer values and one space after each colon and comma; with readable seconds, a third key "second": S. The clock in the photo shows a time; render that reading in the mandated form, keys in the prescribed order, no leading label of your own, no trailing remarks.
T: {"hour": 11, "minute": 42, "second": 34}
